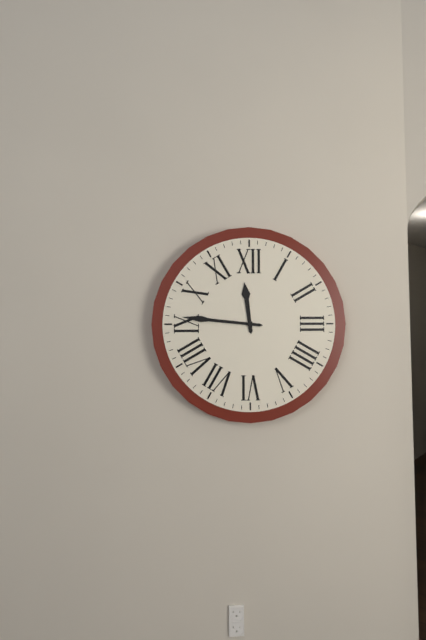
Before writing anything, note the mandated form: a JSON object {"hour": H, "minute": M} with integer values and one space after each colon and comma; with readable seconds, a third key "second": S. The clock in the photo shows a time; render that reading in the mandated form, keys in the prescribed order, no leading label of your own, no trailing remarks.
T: {"hour": 11, "minute": 46}
